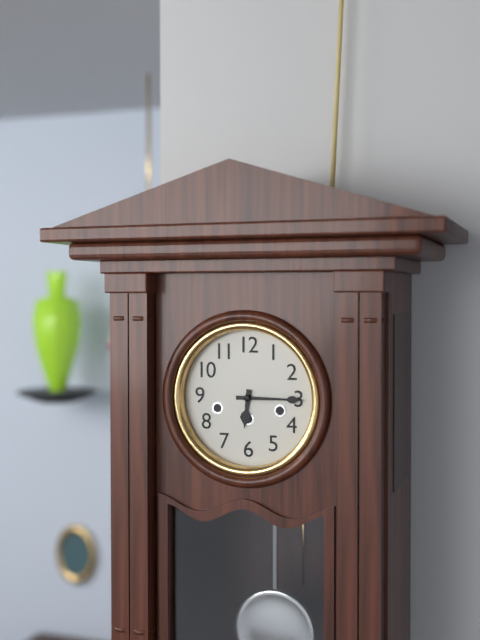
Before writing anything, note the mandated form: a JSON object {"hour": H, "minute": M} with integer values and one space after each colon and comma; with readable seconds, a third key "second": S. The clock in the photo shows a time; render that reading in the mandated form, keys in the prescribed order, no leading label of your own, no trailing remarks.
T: {"hour": 6, "minute": 15}
